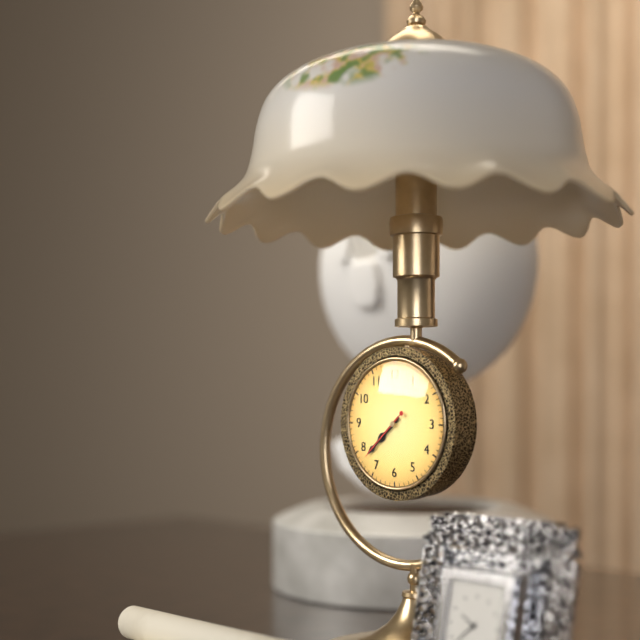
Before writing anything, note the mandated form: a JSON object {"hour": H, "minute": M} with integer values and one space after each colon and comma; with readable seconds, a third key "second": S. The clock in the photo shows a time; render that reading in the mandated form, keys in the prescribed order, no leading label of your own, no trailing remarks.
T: {"hour": 7, "minute": 38, "second": 38}
